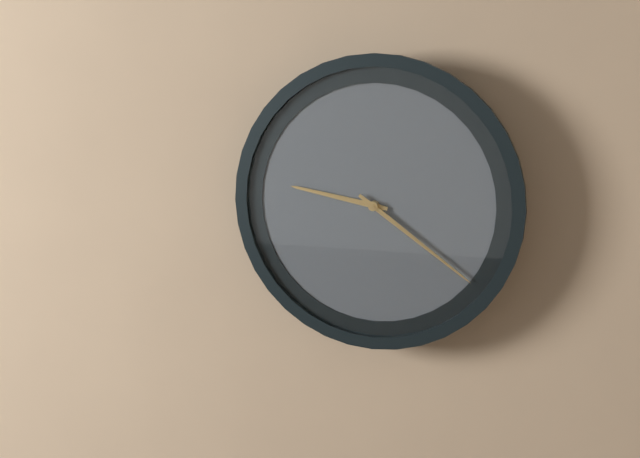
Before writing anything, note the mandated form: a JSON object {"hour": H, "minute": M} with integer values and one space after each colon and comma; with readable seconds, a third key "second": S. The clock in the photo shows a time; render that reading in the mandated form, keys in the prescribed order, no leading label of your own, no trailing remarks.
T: {"hour": 9, "minute": 21}
